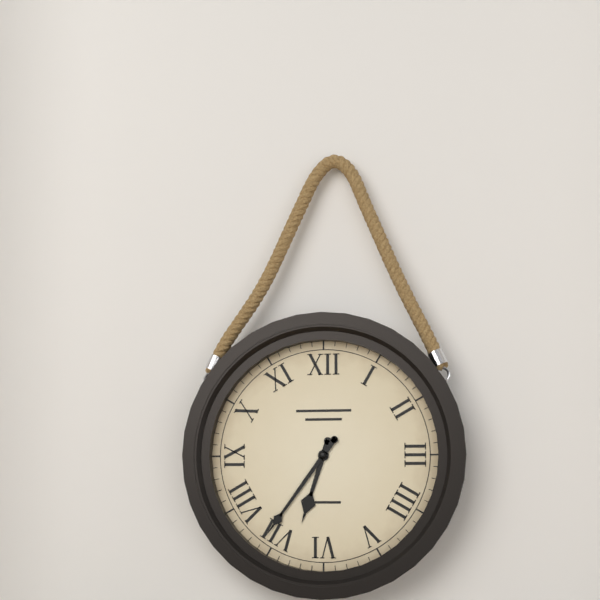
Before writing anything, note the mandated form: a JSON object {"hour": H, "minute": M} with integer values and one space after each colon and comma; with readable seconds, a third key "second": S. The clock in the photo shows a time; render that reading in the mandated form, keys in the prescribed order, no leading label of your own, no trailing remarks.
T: {"hour": 6, "minute": 36}
